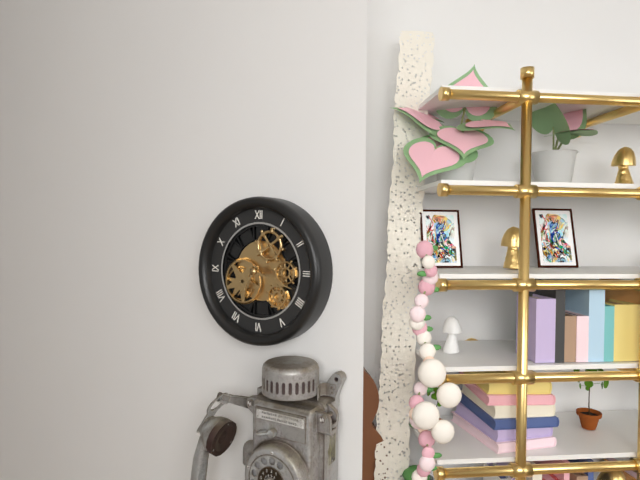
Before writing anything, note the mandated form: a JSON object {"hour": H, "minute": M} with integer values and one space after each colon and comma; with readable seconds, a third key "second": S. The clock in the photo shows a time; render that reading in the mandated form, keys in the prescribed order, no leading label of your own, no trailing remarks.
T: {"hour": 7, "minute": 18}
